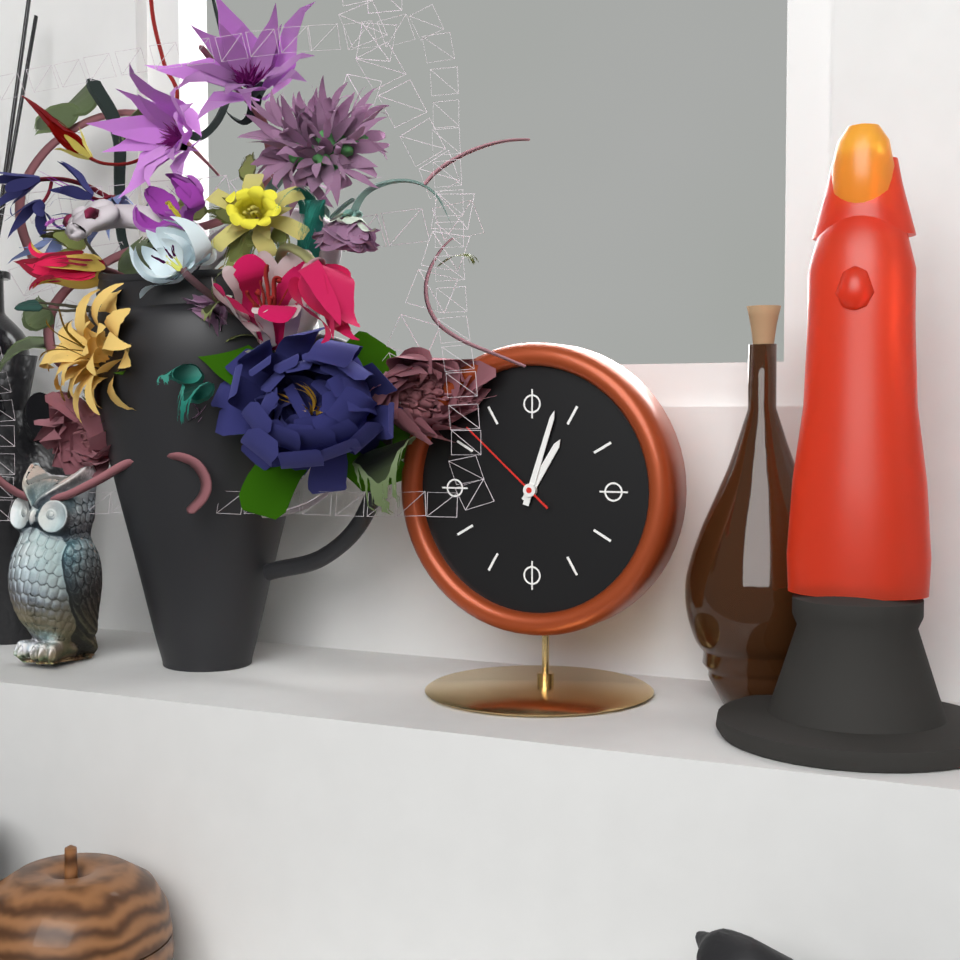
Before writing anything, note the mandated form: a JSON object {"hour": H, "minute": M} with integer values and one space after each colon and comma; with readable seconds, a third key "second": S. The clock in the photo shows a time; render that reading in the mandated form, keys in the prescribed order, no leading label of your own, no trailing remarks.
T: {"hour": 1, "minute": 3, "second": 52}
